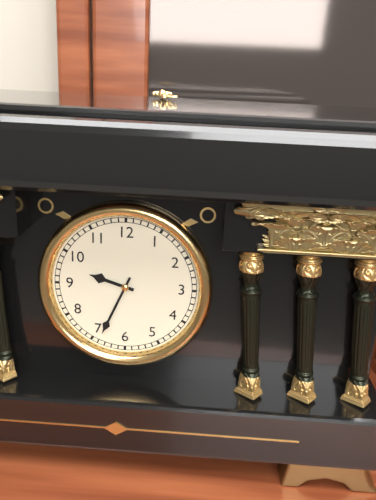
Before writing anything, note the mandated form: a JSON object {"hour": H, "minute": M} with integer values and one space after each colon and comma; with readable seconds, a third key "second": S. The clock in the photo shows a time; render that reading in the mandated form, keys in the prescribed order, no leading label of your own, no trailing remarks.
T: {"hour": 9, "minute": 34}
